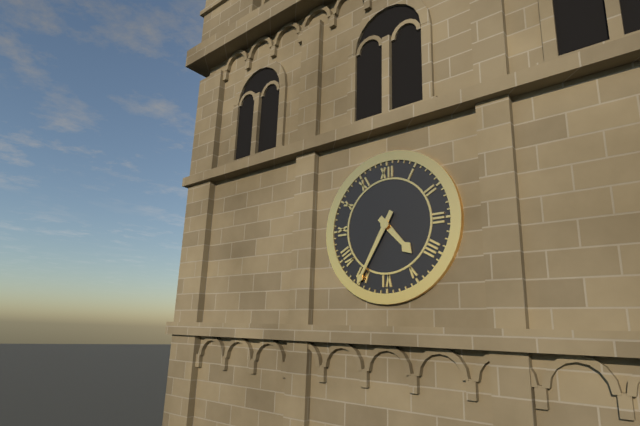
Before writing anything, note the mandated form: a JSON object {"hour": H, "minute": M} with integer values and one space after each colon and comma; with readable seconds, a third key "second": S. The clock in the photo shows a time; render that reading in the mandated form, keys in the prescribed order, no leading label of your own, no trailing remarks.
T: {"hour": 4, "minute": 35}
